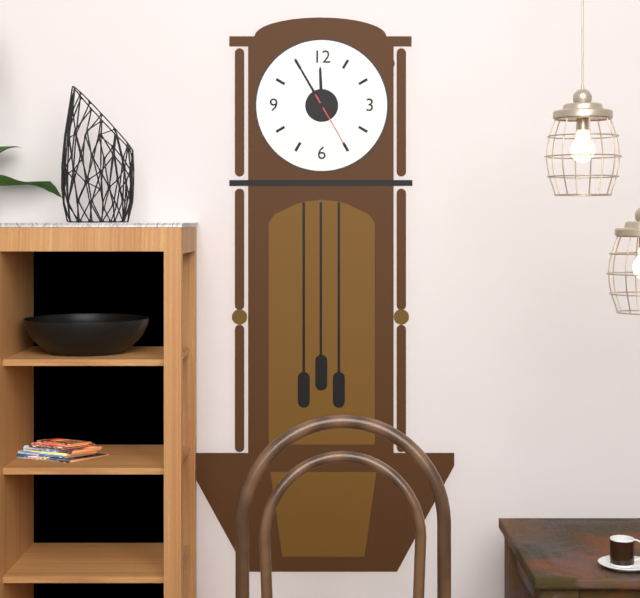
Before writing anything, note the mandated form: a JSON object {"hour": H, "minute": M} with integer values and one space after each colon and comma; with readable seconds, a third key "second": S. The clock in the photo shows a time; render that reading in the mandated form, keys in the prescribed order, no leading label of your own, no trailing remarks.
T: {"hour": 11, "minute": 55, "second": 25}
